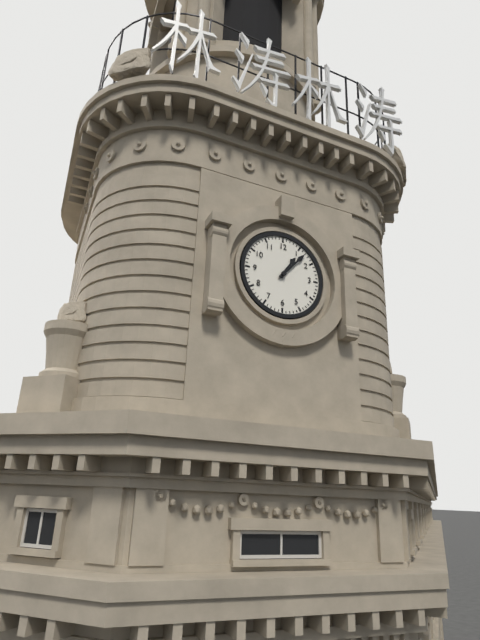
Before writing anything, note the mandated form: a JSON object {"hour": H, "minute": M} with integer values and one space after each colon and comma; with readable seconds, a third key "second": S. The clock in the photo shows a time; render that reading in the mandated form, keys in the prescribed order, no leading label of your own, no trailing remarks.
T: {"hour": 1, "minute": 7}
